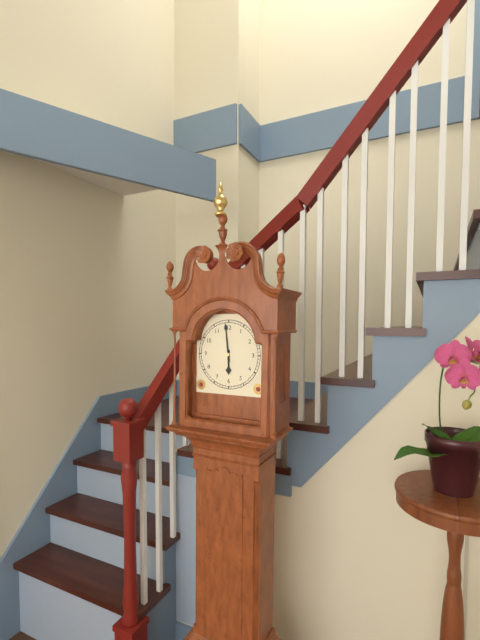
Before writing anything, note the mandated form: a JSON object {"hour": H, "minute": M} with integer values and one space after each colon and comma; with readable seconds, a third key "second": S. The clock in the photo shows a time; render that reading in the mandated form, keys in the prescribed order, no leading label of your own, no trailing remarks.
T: {"hour": 5, "minute": 59}
